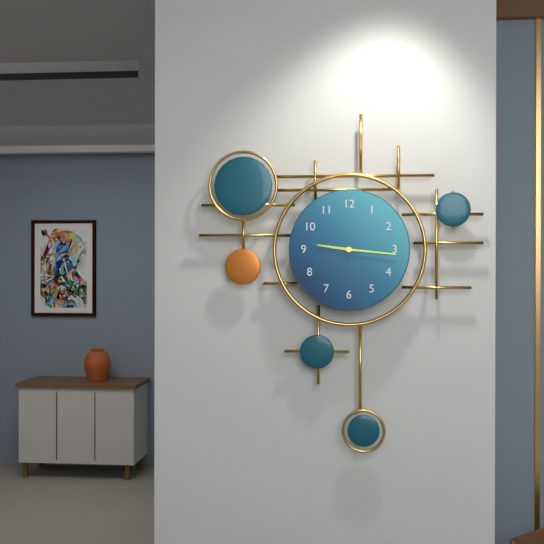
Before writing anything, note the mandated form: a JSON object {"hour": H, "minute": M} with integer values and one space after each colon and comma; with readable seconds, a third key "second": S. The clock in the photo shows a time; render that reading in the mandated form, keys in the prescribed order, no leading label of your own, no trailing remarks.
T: {"hour": 9, "minute": 16}
